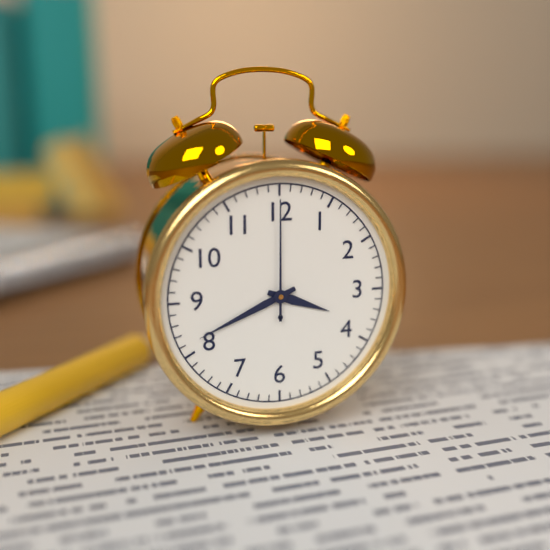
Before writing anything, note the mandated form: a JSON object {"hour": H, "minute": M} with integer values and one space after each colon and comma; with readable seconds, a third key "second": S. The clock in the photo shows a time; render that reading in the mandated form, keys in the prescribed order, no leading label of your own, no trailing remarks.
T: {"hour": 3, "minute": 41, "second": 0}
